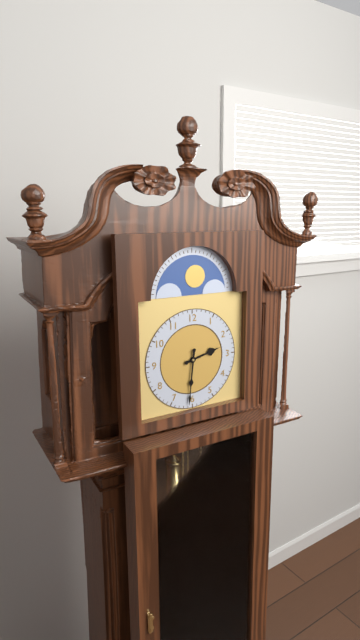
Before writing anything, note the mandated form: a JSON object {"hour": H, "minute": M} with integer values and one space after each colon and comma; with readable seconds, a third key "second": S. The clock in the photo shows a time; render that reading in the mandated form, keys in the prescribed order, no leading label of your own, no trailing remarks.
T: {"hour": 2, "minute": 31}
